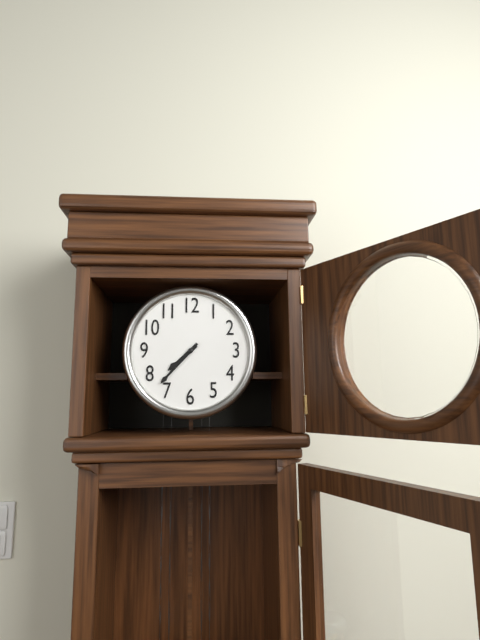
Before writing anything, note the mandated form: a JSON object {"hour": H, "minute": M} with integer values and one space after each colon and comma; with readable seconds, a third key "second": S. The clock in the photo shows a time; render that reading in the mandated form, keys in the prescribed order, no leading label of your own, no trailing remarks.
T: {"hour": 7, "minute": 37}
